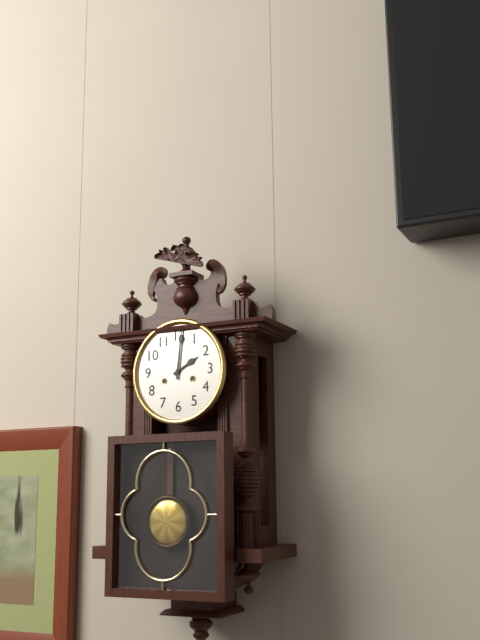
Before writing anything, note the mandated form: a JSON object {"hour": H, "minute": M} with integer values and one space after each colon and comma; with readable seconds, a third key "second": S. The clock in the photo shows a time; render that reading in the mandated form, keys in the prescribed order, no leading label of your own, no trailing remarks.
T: {"hour": 2, "minute": 1}
